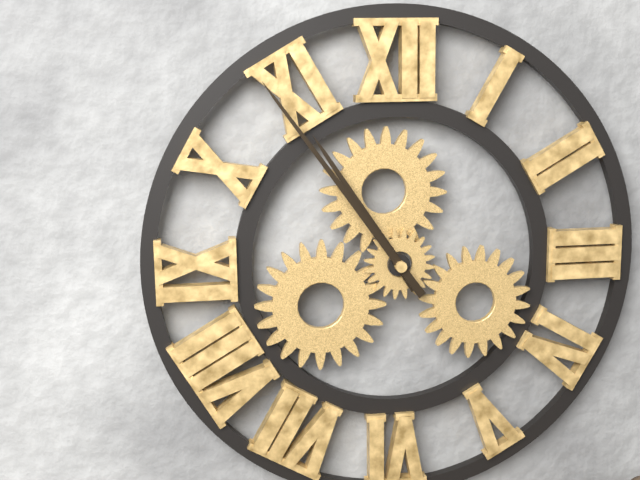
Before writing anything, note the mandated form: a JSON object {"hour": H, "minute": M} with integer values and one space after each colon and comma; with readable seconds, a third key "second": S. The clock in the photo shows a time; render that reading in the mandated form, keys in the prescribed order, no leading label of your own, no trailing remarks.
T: {"hour": 10, "minute": 54}
